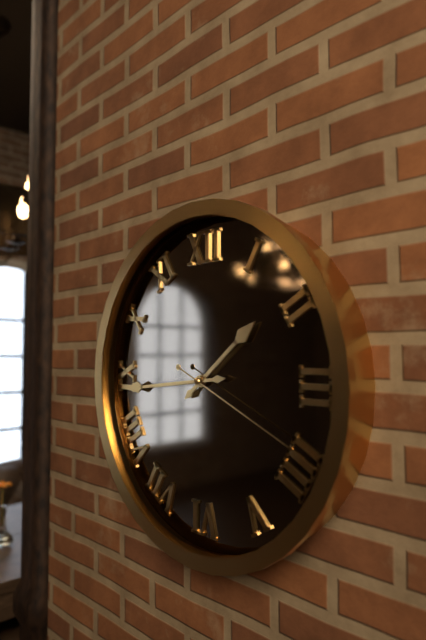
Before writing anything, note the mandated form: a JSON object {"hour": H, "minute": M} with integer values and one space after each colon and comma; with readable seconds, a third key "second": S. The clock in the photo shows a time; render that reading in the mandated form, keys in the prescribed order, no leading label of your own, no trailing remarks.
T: {"hour": 1, "minute": 44, "second": 19}
